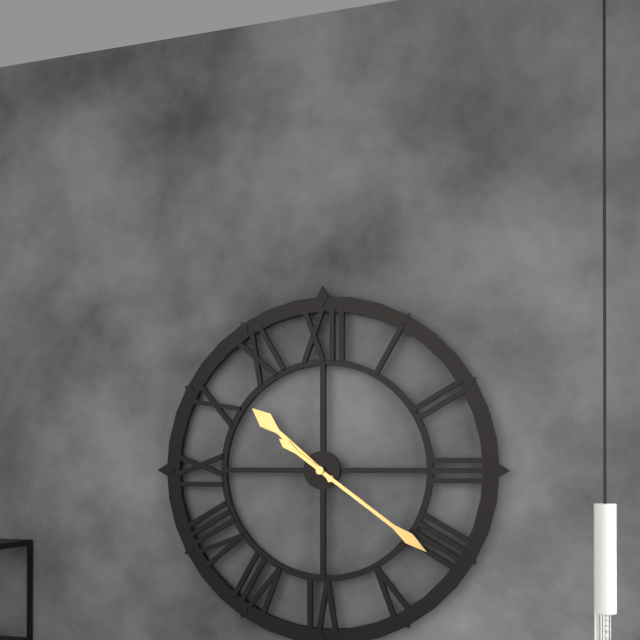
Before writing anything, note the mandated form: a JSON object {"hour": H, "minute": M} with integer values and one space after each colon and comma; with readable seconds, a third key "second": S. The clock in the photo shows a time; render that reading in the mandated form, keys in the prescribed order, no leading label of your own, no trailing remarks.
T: {"hour": 10, "minute": 21}
